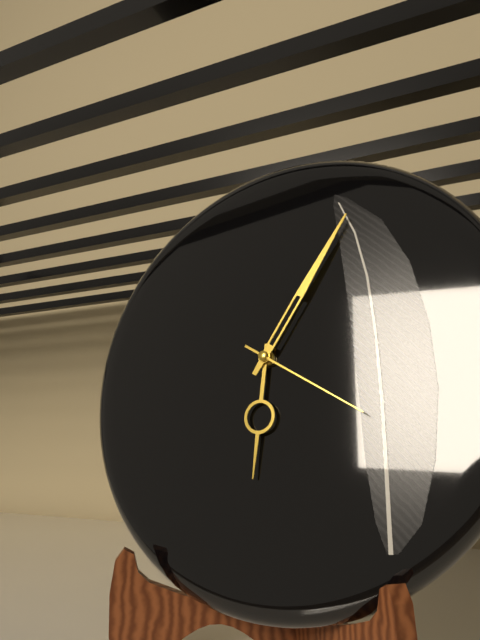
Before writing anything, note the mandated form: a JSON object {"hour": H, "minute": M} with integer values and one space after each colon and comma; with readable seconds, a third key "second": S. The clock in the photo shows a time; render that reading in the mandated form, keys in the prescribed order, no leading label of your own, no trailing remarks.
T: {"hour": 6, "minute": 5, "second": 20}
